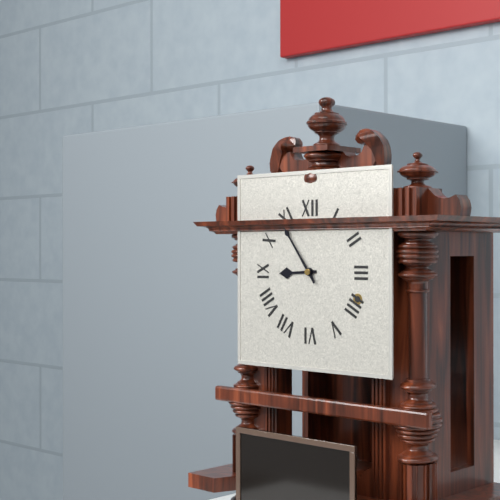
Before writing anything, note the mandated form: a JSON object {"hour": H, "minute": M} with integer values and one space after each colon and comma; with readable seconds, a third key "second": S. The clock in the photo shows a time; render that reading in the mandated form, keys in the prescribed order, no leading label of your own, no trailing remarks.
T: {"hour": 8, "minute": 54}
